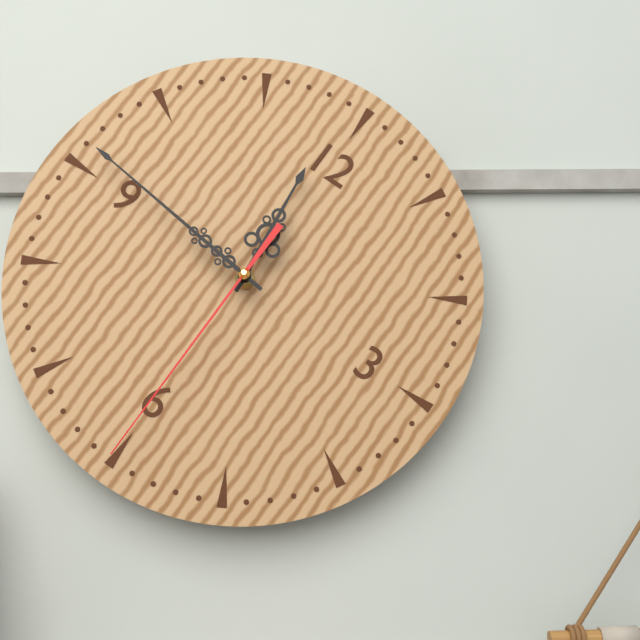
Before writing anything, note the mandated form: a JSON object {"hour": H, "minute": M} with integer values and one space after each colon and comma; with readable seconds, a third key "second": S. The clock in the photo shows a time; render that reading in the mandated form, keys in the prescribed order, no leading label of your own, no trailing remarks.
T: {"hour": 11, "minute": 46, "second": 30}
